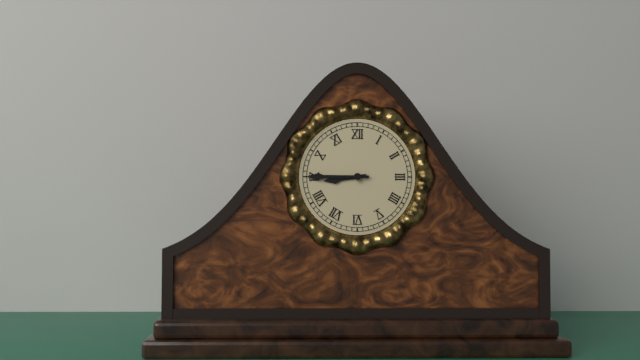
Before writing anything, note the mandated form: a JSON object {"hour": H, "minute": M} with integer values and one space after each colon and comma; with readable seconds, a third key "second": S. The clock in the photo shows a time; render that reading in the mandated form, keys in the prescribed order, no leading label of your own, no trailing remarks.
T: {"hour": 8, "minute": 45}
